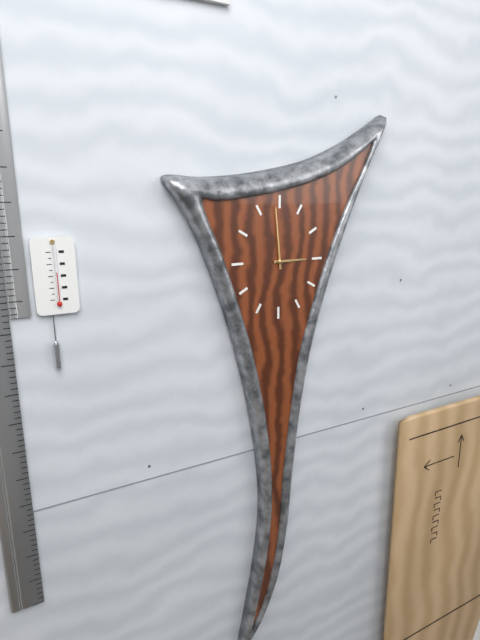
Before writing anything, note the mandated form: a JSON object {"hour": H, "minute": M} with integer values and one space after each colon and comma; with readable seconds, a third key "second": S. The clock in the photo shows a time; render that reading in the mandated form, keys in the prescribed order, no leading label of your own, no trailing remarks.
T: {"hour": 2, "minute": 59}
